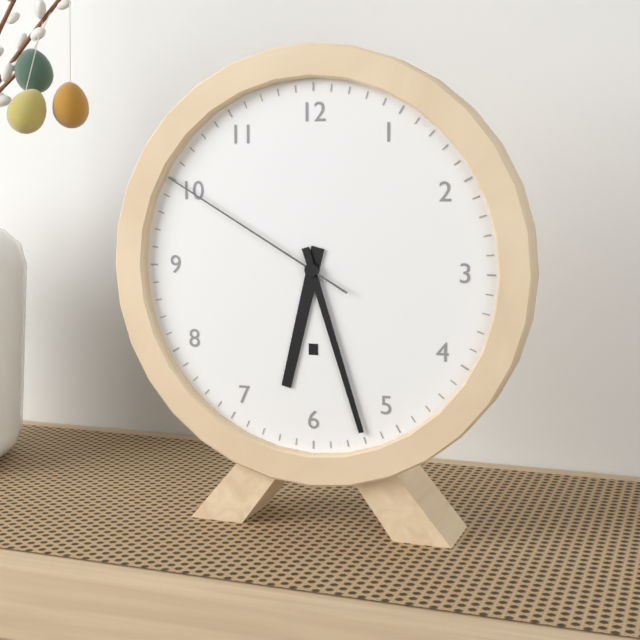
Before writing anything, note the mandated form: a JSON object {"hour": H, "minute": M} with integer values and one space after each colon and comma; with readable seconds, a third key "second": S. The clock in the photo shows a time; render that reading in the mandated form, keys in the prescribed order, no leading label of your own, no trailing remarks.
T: {"hour": 6, "minute": 27, "second": 50}
